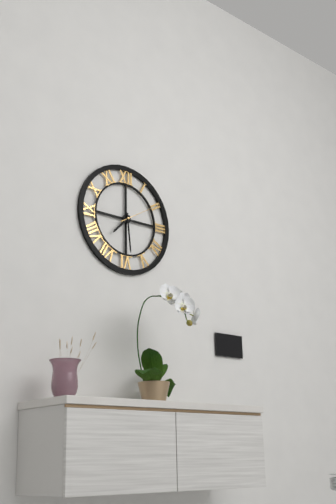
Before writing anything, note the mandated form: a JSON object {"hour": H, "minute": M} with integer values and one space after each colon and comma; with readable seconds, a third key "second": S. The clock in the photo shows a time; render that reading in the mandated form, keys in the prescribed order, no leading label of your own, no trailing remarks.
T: {"hour": 7, "minute": 29}
